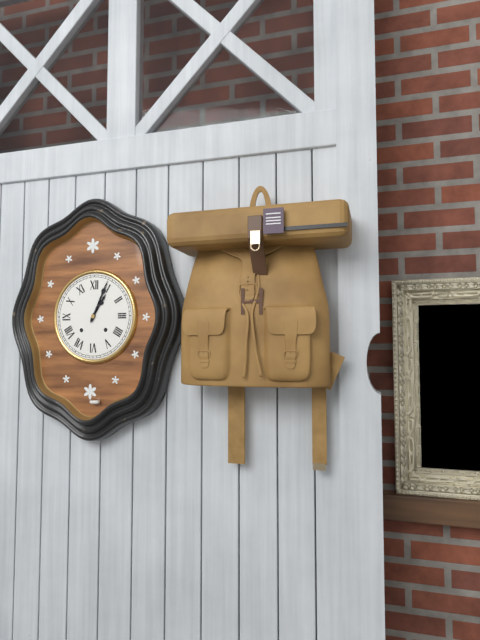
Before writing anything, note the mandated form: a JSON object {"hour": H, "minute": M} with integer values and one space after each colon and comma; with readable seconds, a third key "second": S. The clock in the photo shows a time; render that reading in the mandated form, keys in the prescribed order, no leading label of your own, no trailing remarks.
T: {"hour": 1, "minute": 4}
